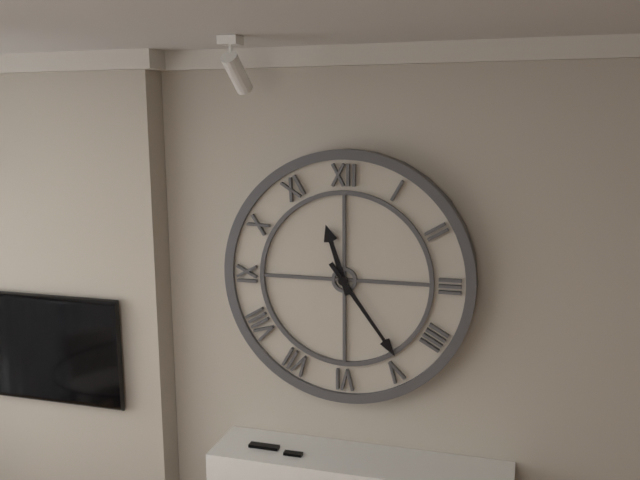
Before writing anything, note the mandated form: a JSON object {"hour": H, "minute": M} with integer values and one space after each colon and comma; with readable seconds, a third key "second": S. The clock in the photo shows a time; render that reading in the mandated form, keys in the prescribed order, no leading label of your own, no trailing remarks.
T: {"hour": 11, "minute": 24}
